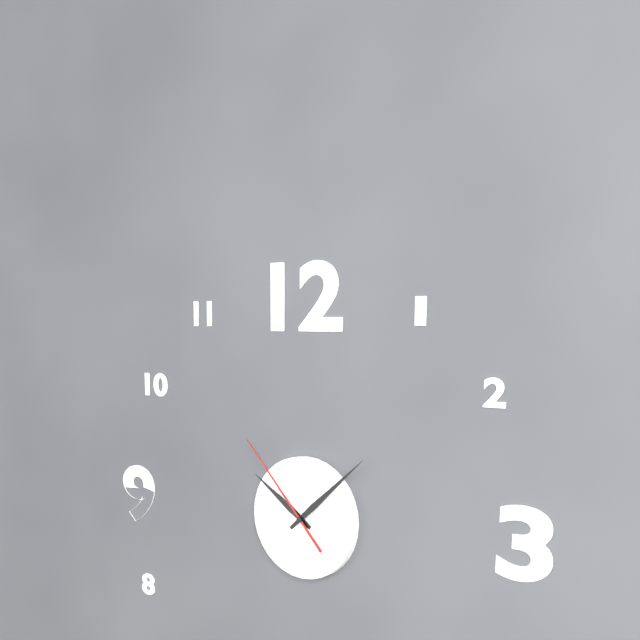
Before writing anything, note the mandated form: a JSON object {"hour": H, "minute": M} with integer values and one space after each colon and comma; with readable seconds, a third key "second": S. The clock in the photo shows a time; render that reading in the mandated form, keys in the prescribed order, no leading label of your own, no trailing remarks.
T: {"hour": 10, "minute": 8, "second": 53}
